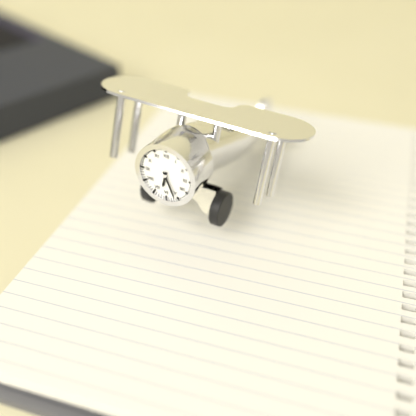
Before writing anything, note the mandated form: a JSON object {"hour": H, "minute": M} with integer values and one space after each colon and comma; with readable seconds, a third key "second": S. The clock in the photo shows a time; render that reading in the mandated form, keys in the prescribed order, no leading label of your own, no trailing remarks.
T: {"hour": 6, "minute": 26}
